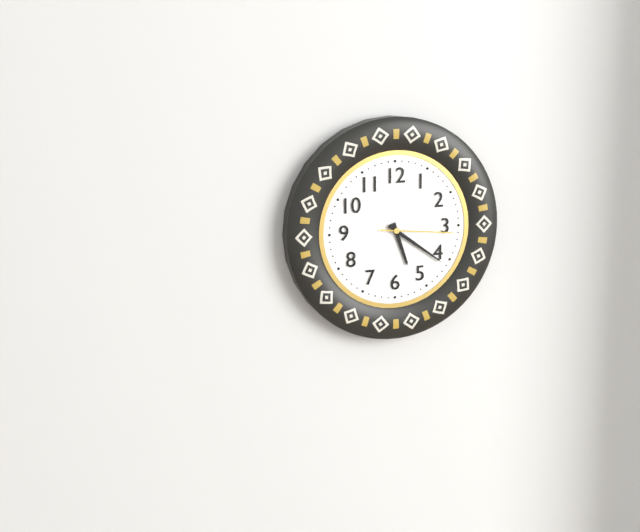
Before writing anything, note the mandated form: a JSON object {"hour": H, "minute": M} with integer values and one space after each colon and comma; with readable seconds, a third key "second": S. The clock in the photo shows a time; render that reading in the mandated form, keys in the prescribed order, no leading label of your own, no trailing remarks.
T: {"hour": 5, "minute": 21, "second": 16}
